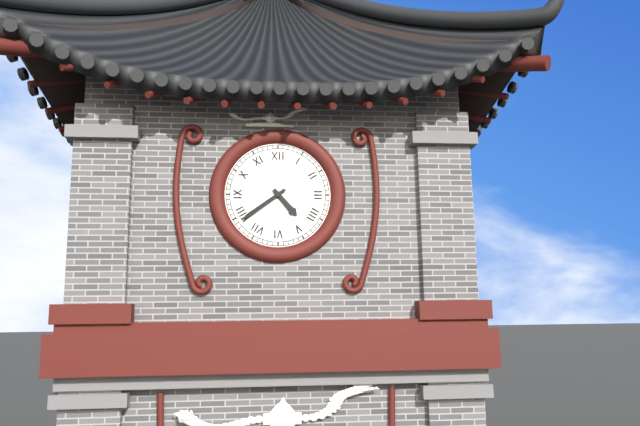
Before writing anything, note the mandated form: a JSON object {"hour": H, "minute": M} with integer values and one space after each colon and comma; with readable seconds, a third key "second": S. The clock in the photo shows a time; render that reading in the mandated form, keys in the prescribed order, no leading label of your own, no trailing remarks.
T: {"hour": 4, "minute": 39}
